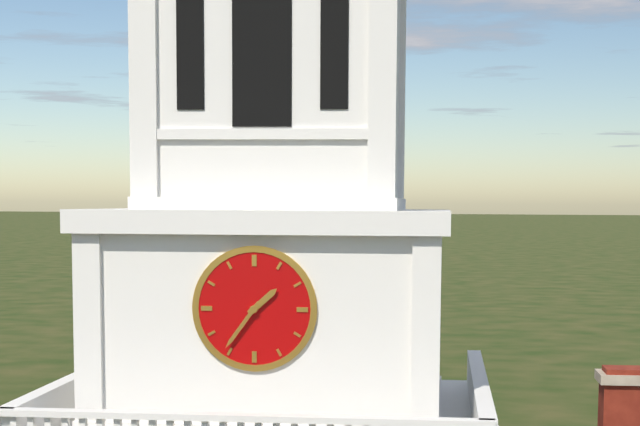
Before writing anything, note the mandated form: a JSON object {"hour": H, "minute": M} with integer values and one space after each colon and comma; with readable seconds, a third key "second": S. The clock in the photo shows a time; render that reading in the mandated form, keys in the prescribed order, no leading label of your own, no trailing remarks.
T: {"hour": 1, "minute": 36}
